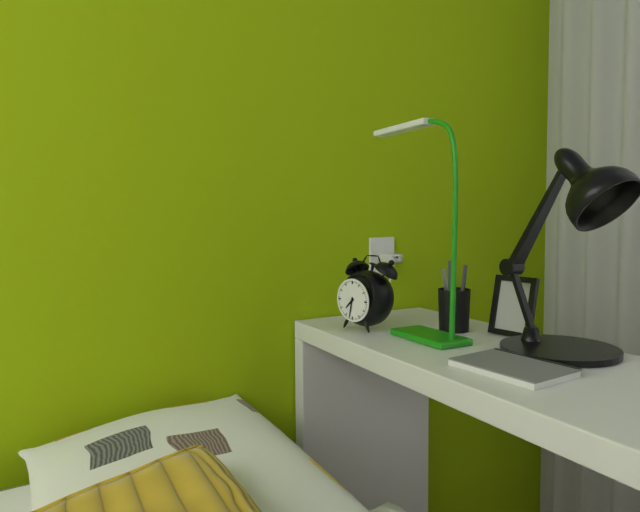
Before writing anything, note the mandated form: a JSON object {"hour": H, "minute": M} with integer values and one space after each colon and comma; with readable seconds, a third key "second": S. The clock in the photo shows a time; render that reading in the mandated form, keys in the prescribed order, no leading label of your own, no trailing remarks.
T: {"hour": 7, "minute": 32}
